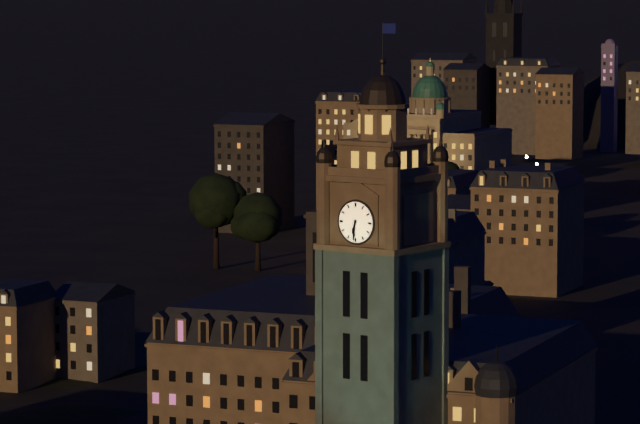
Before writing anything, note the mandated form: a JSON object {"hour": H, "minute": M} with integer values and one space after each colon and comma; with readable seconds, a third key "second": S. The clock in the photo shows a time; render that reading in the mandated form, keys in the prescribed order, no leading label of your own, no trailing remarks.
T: {"hour": 6, "minute": 31}
